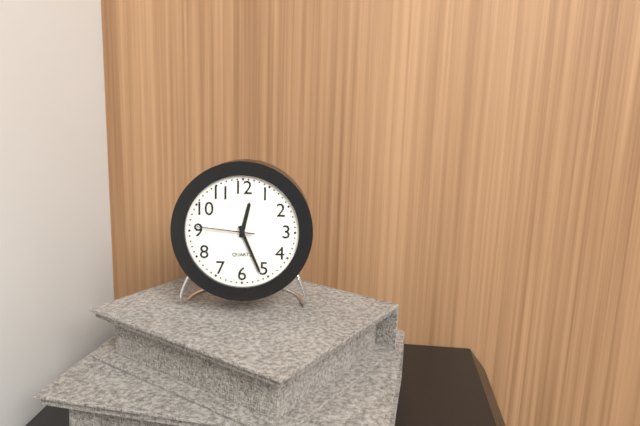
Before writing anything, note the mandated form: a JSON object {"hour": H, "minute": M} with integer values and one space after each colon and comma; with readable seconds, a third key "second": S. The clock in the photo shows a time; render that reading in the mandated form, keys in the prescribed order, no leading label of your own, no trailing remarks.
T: {"hour": 12, "minute": 26, "second": 46}
